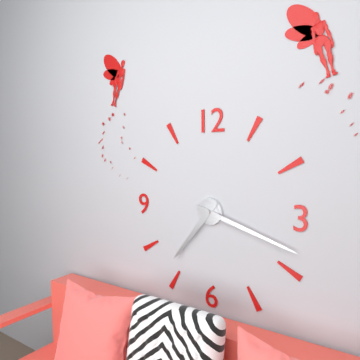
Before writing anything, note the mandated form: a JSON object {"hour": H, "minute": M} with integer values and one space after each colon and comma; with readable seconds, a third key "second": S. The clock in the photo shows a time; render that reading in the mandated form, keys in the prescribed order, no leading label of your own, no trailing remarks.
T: {"hour": 7, "minute": 18}
